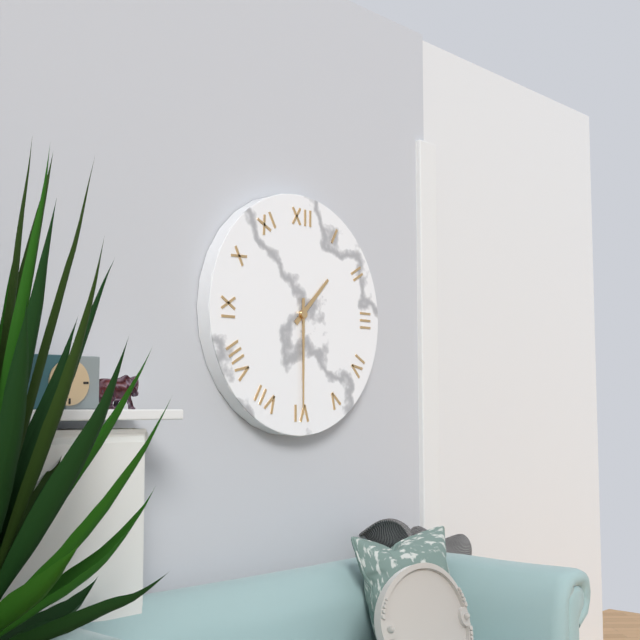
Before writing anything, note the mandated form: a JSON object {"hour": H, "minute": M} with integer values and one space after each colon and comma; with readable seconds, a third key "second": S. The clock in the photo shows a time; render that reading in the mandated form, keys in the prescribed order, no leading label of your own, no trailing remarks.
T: {"hour": 1, "minute": 30}
